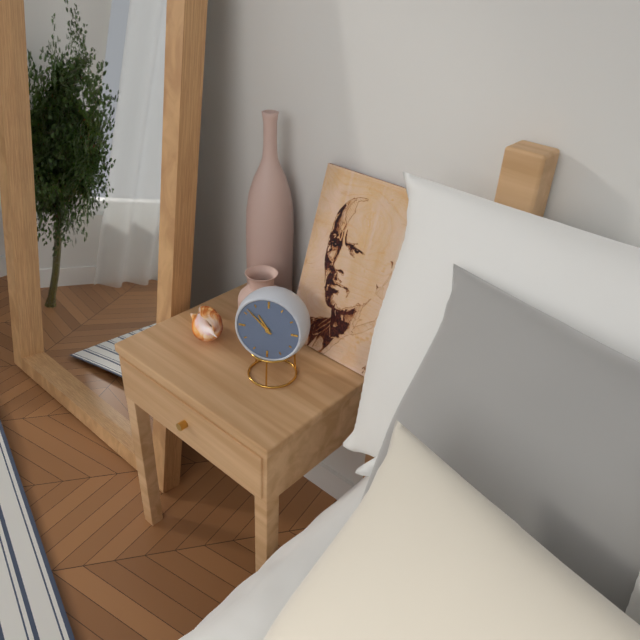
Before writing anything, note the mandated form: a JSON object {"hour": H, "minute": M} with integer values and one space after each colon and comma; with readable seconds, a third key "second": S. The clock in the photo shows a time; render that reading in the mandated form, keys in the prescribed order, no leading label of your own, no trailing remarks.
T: {"hour": 10, "minute": 52}
